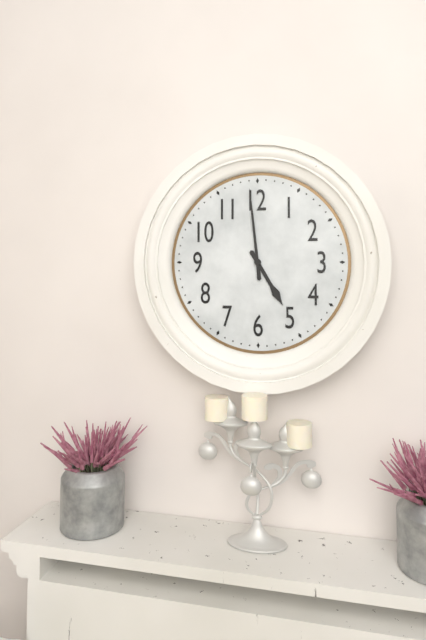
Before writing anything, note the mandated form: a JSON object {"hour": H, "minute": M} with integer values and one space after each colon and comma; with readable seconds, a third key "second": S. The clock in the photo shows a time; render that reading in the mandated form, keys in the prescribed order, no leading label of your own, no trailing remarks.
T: {"hour": 4, "minute": 59}
